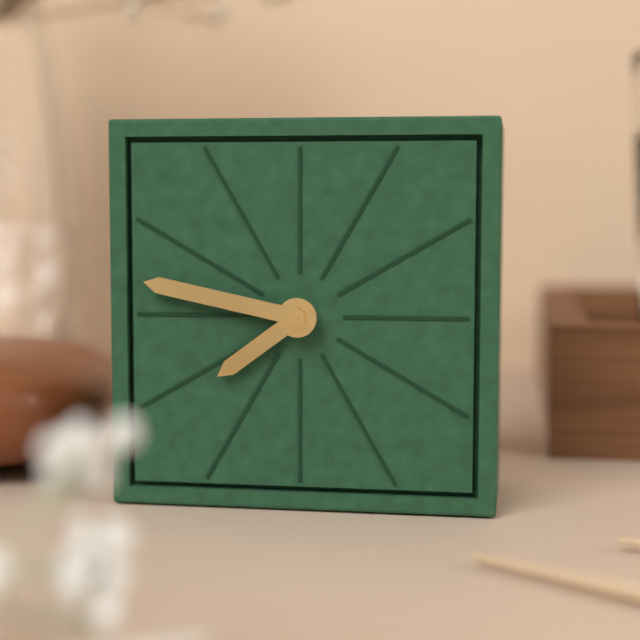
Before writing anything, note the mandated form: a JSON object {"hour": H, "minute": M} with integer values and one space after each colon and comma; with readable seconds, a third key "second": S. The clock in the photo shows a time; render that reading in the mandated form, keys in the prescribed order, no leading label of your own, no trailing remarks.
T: {"hour": 7, "minute": 47}
